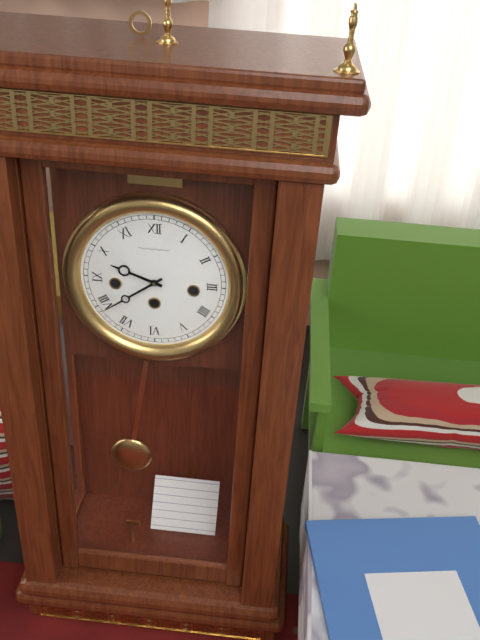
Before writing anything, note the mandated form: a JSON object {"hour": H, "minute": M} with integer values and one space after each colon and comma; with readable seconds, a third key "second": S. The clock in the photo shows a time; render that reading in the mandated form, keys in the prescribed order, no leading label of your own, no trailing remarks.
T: {"hour": 9, "minute": 39}
